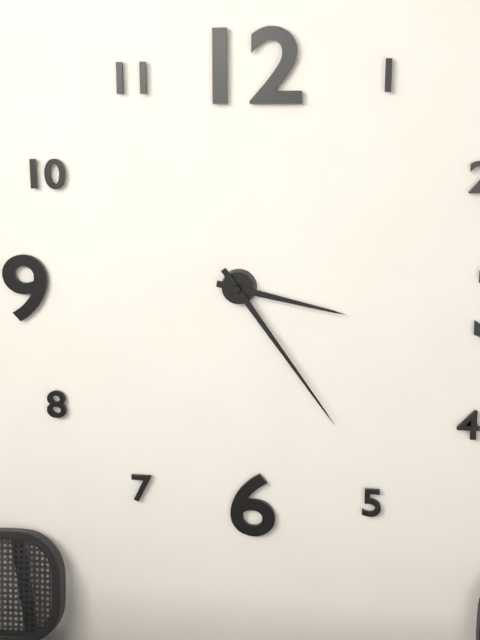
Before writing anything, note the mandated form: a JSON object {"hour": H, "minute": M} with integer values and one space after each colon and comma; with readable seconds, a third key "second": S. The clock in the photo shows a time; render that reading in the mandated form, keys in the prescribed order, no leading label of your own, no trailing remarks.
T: {"hour": 3, "minute": 24}
